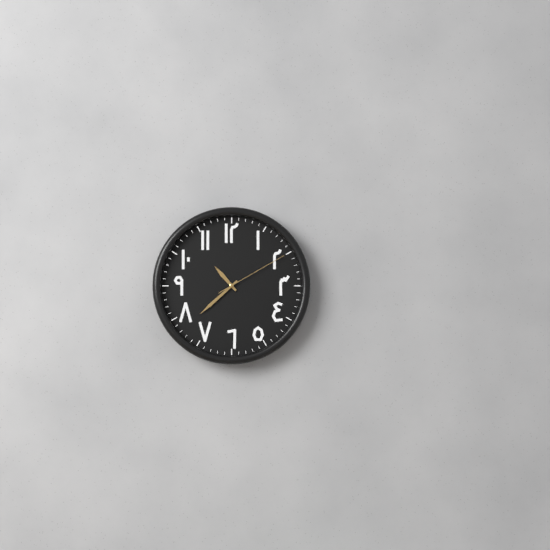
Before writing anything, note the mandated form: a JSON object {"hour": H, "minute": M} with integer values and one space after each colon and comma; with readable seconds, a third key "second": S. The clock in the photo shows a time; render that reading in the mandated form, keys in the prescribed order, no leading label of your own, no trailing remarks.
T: {"hour": 10, "minute": 38, "second": 10}
